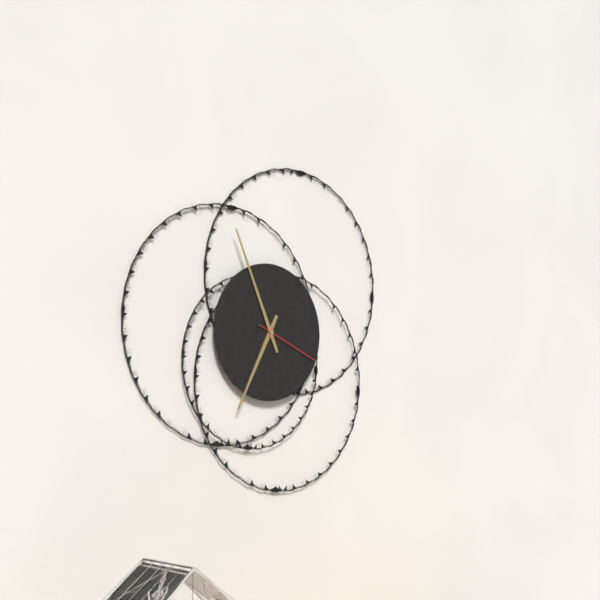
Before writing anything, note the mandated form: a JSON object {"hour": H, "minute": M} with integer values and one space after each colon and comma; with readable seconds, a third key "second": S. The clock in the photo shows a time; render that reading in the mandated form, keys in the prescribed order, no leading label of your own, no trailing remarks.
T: {"hour": 6, "minute": 56, "second": 19}
